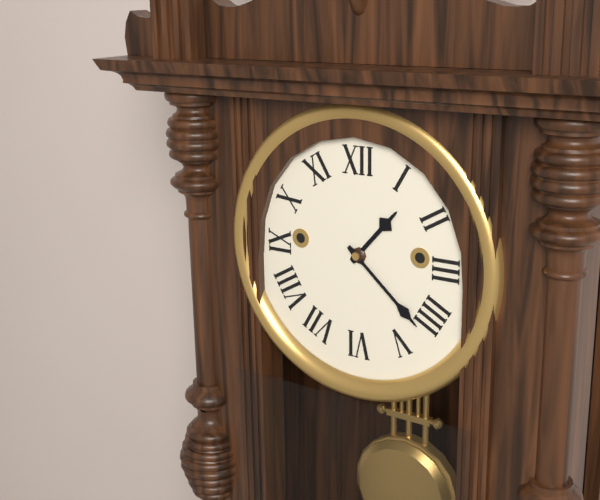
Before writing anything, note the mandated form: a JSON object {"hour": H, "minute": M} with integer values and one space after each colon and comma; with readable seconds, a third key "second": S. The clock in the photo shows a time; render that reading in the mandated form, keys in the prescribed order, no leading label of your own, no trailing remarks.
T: {"hour": 1, "minute": 22}
